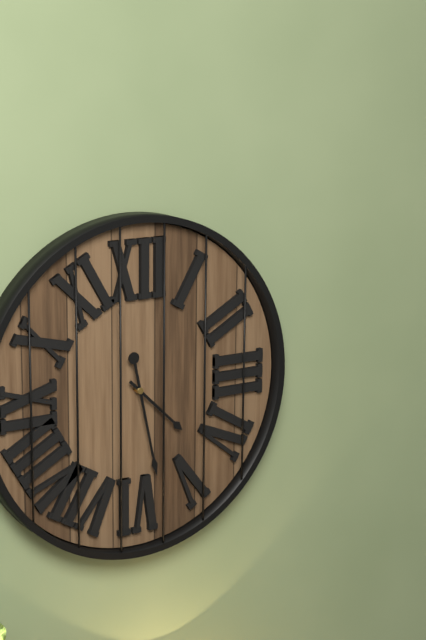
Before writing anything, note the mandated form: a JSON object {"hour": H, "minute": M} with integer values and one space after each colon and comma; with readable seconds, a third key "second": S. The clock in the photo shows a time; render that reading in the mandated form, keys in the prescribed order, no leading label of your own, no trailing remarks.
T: {"hour": 4, "minute": 28}
